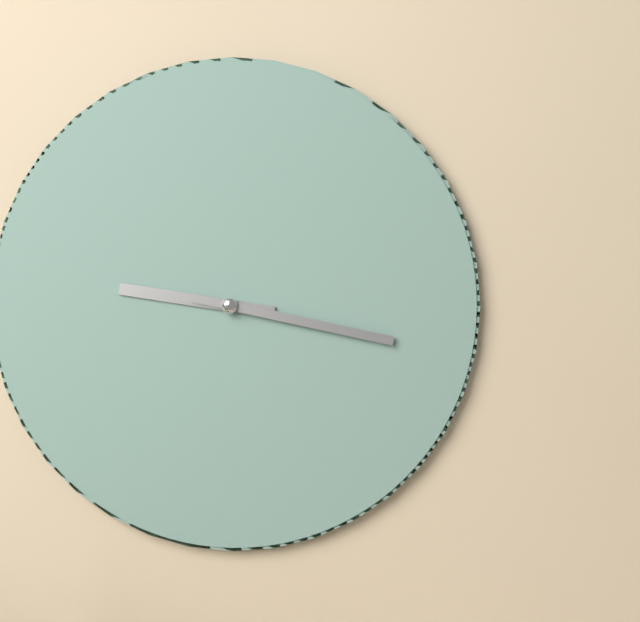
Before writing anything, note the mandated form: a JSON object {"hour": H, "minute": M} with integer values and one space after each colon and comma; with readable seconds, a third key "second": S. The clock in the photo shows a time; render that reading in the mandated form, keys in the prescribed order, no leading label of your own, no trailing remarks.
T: {"hour": 9, "minute": 17}
